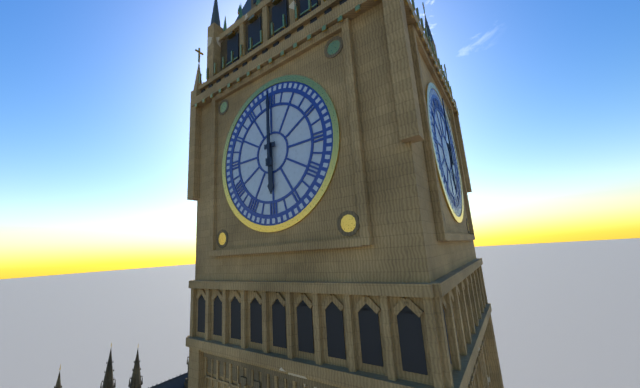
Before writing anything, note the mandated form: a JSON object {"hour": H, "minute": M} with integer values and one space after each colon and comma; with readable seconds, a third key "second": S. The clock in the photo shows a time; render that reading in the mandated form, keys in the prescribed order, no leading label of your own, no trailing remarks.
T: {"hour": 6, "minute": 0}
